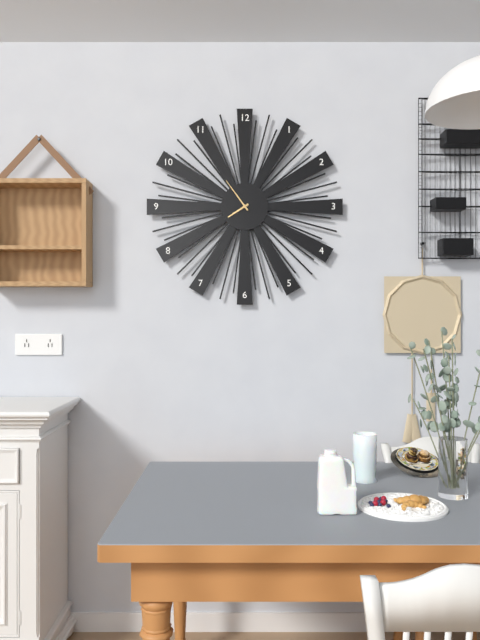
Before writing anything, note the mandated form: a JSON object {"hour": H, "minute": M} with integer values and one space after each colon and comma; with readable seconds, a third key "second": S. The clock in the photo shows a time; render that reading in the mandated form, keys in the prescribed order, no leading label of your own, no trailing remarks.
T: {"hour": 7, "minute": 54}
